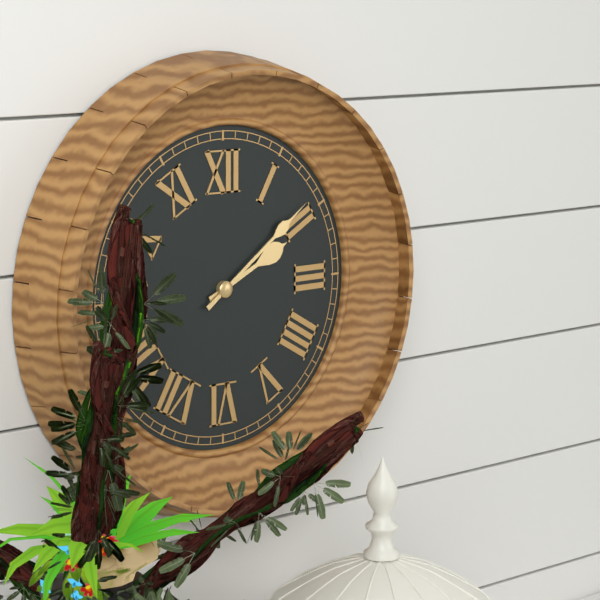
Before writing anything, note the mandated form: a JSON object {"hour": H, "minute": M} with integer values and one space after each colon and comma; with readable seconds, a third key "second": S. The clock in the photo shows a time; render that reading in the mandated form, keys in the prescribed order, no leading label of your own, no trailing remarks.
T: {"hour": 2, "minute": 9}
